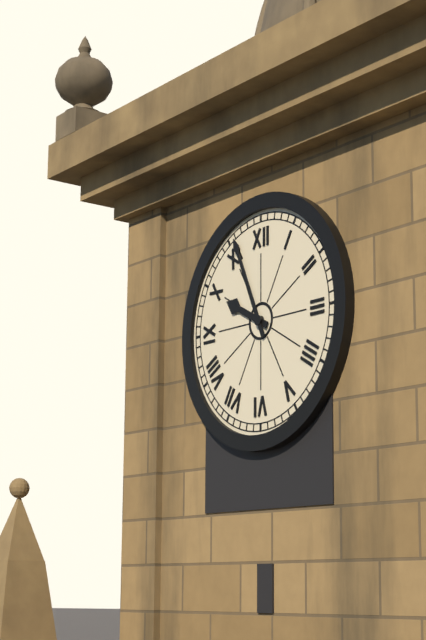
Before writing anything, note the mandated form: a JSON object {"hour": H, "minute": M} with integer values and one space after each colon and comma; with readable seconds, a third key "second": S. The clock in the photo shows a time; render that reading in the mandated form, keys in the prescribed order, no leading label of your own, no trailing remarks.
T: {"hour": 9, "minute": 56}
